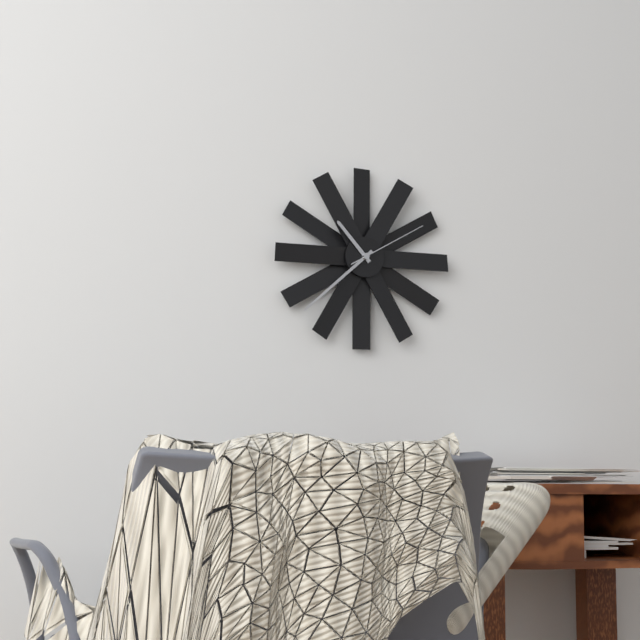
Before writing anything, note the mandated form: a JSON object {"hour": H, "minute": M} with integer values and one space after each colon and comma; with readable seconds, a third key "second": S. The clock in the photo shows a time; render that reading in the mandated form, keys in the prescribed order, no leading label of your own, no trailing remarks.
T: {"hour": 10, "minute": 38, "second": 10}
